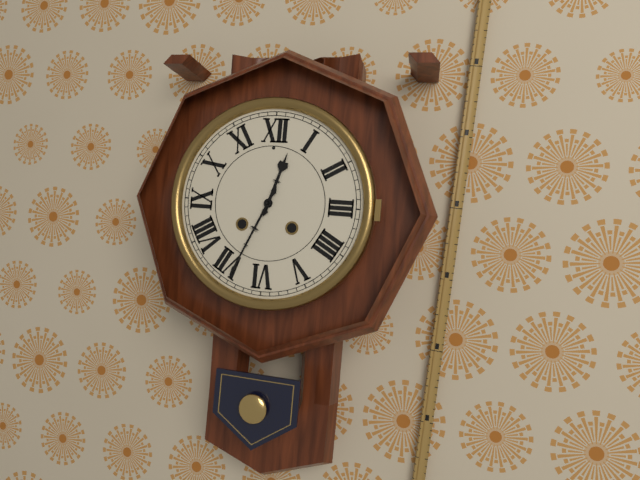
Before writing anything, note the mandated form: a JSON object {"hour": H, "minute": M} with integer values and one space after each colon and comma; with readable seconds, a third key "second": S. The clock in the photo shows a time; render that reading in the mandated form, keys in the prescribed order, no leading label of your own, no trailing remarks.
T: {"hour": 12, "minute": 34}
